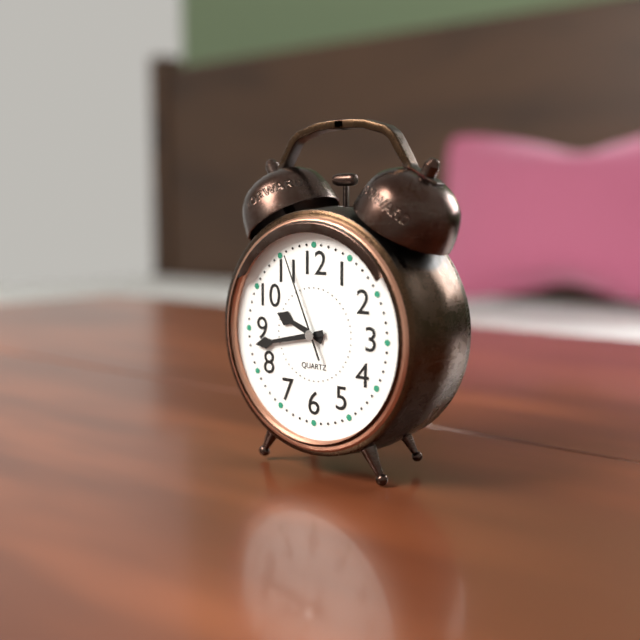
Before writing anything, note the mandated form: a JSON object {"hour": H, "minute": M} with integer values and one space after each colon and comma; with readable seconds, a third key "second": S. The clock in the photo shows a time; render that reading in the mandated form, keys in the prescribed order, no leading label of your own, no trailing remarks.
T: {"hour": 9, "minute": 43, "second": 56}
